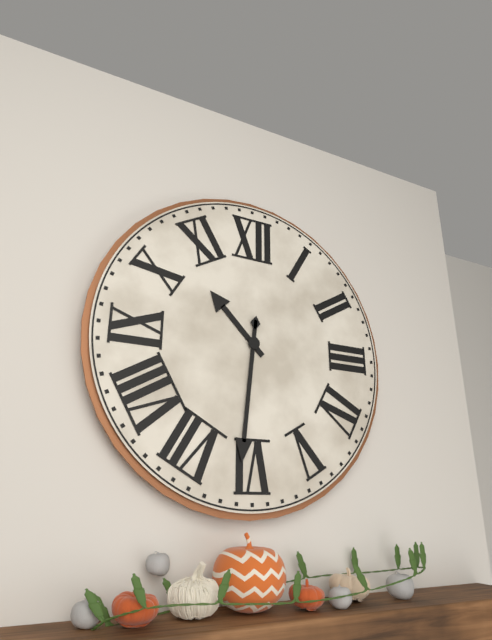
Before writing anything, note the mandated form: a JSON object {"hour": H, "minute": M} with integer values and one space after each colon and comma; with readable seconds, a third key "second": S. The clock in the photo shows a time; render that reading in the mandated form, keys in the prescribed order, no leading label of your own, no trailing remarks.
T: {"hour": 10, "minute": 31}
